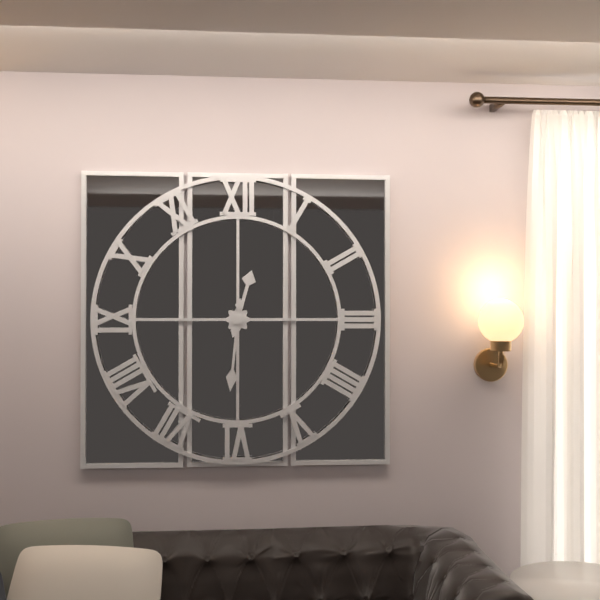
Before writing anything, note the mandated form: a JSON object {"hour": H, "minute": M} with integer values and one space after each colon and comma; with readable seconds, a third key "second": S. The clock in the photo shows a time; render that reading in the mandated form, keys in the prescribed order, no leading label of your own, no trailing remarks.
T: {"hour": 12, "minute": 31}
